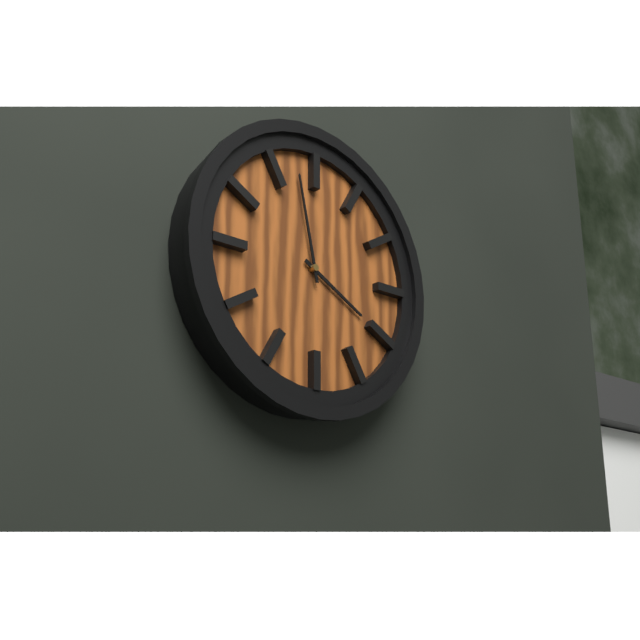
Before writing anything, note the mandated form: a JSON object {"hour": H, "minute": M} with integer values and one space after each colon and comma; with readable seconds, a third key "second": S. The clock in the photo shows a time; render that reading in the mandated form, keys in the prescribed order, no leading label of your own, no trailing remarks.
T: {"hour": 3, "minute": 58}
